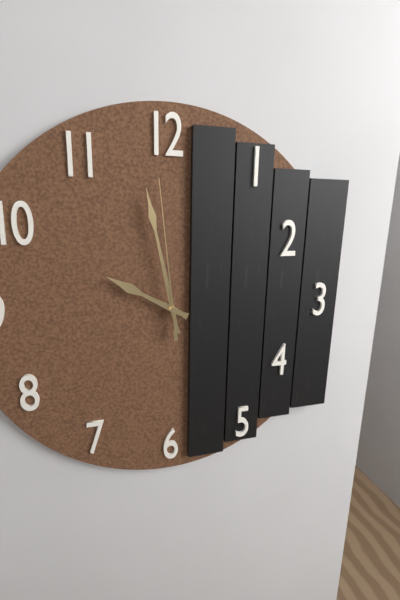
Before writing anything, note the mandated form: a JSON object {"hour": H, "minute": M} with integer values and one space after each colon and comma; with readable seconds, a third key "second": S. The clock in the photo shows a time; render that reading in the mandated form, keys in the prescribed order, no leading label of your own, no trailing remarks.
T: {"hour": 9, "minute": 58, "second": 59}
